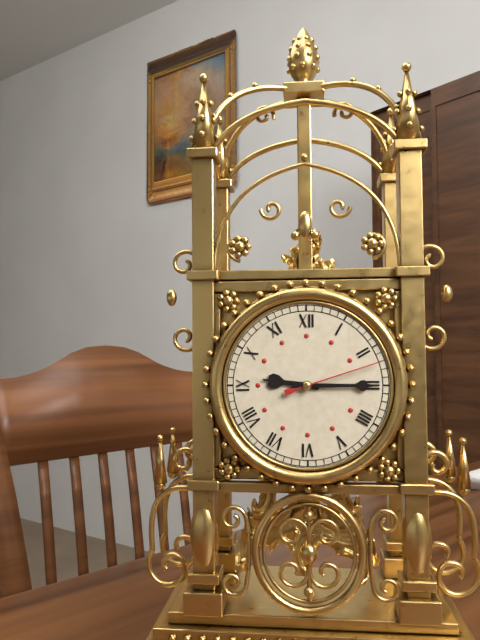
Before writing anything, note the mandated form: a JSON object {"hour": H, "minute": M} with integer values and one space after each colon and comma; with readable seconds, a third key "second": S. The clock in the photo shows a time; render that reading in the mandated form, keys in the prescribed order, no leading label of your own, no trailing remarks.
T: {"hour": 9, "minute": 15, "second": 12}
